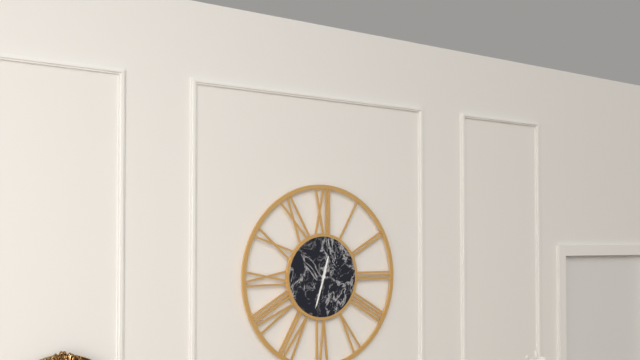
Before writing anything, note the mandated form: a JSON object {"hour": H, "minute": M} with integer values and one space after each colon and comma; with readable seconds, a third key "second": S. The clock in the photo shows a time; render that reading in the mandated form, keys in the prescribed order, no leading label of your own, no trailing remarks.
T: {"hour": 12, "minute": 33}
